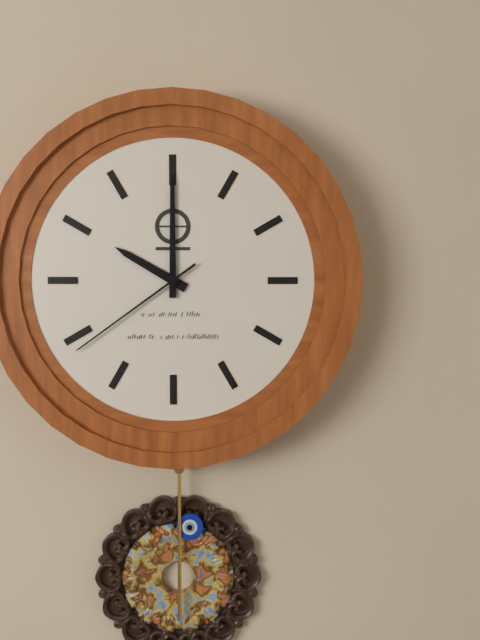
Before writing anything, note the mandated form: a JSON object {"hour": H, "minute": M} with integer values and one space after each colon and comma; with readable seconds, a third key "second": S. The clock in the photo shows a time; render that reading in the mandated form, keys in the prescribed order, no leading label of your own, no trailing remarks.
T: {"hour": 10, "minute": 0, "second": 39}
